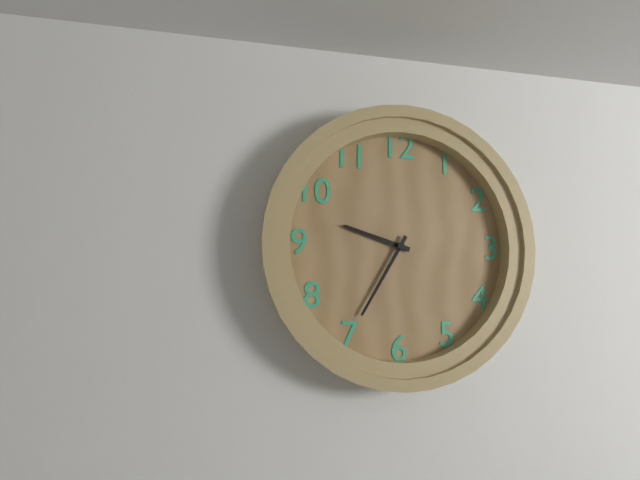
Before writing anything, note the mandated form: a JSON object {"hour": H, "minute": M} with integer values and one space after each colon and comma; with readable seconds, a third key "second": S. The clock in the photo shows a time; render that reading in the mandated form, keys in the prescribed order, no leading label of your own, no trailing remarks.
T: {"hour": 9, "minute": 35}
